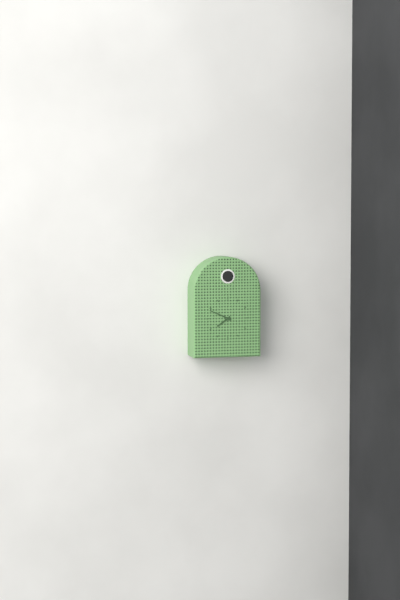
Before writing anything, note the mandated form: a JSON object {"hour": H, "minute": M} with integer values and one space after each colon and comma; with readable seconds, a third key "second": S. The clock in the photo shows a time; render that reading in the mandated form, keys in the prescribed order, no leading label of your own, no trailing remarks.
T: {"hour": 7, "minute": 49}
